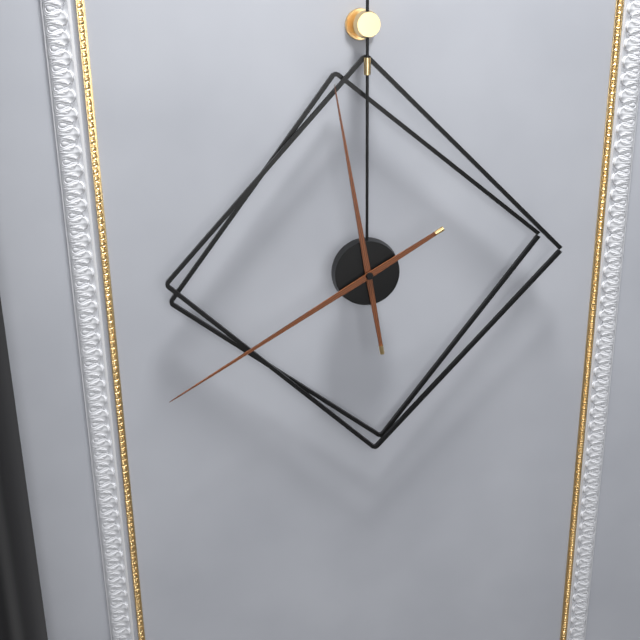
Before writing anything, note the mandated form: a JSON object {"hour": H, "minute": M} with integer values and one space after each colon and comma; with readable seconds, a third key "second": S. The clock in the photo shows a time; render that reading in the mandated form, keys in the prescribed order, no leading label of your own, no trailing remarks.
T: {"hour": 11, "minute": 40}
